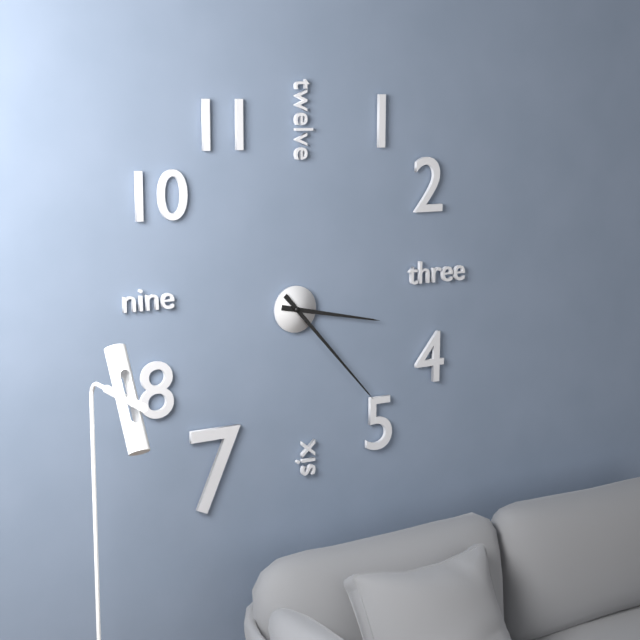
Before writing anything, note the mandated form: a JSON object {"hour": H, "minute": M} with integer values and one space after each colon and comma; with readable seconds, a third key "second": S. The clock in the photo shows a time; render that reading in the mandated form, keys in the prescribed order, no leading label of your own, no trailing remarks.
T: {"hour": 3, "minute": 23}
